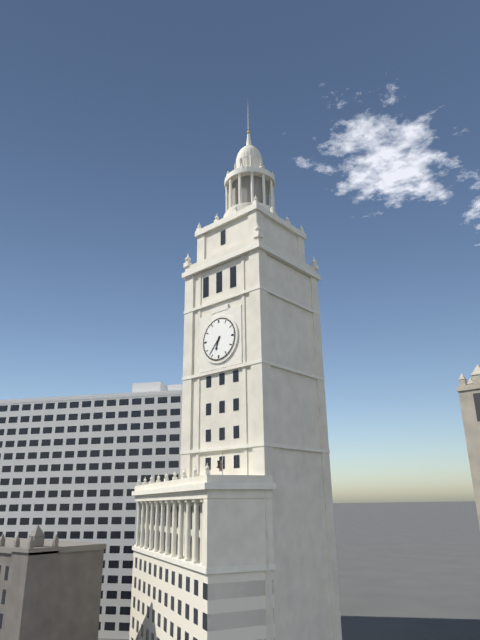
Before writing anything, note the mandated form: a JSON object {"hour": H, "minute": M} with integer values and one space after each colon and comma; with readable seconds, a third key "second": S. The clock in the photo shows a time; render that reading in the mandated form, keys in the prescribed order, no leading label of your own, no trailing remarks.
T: {"hour": 6, "minute": 37}
